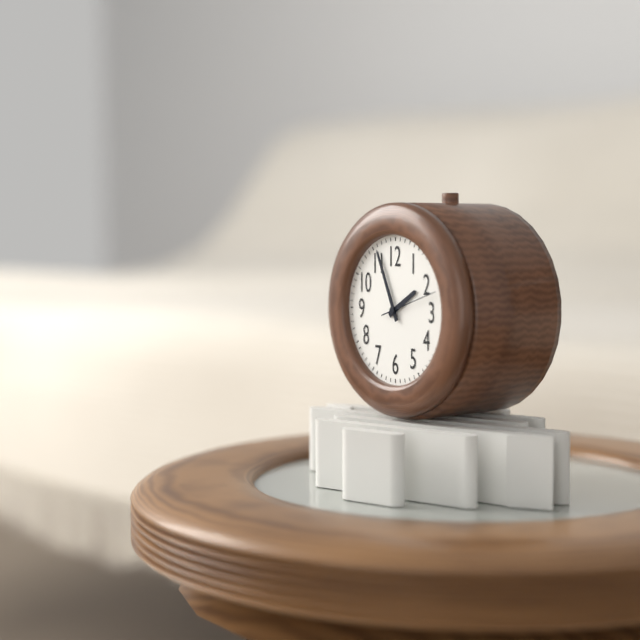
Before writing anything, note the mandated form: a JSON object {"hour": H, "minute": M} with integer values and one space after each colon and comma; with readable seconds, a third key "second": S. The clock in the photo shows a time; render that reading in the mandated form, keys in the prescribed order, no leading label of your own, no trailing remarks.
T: {"hour": 1, "minute": 56, "second": 12}
